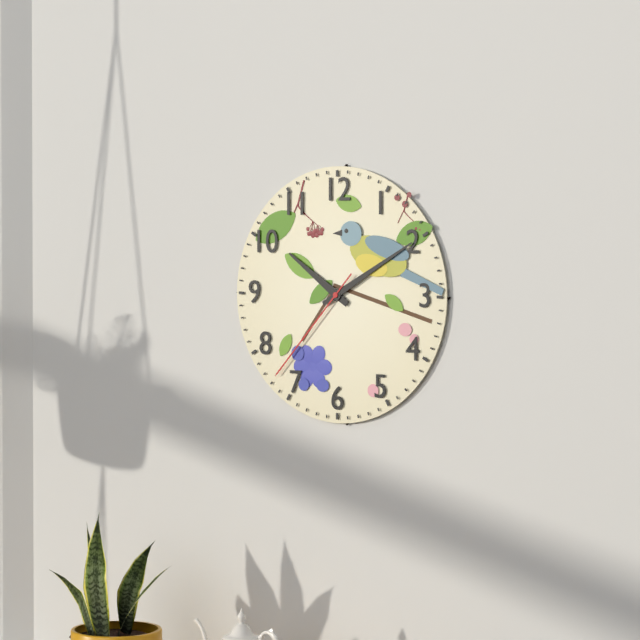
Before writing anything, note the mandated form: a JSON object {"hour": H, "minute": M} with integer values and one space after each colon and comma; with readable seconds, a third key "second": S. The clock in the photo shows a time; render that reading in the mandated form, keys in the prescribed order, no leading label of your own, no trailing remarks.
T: {"hour": 10, "minute": 10, "second": 37}
